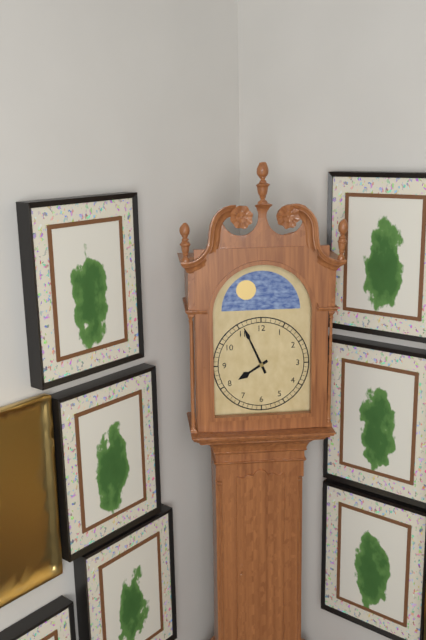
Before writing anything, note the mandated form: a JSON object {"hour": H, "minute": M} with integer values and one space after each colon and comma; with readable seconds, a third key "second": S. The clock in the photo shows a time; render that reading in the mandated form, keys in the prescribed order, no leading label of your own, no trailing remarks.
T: {"hour": 7, "minute": 56}
